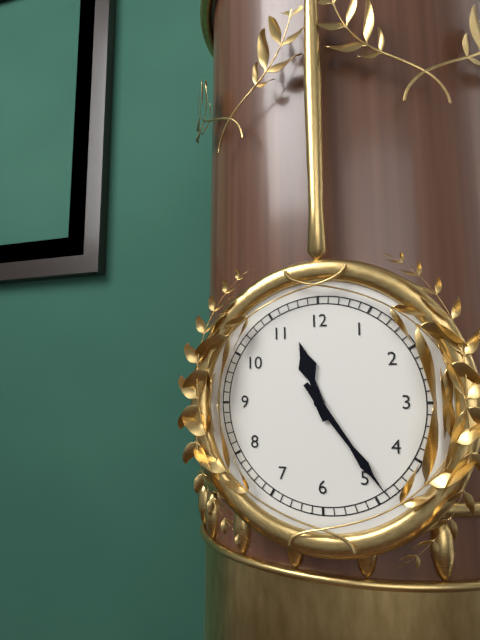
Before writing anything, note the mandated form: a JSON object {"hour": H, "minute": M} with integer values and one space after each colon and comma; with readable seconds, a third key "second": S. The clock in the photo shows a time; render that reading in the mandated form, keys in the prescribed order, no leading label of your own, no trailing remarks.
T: {"hour": 11, "minute": 24}
